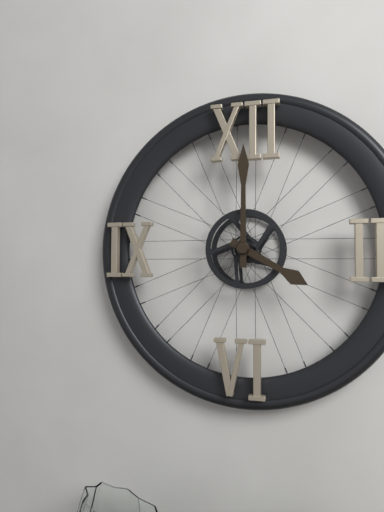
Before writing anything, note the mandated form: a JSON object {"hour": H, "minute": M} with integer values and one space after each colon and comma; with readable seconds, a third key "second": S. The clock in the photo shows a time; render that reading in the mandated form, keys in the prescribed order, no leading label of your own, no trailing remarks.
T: {"hour": 4, "minute": 0}
